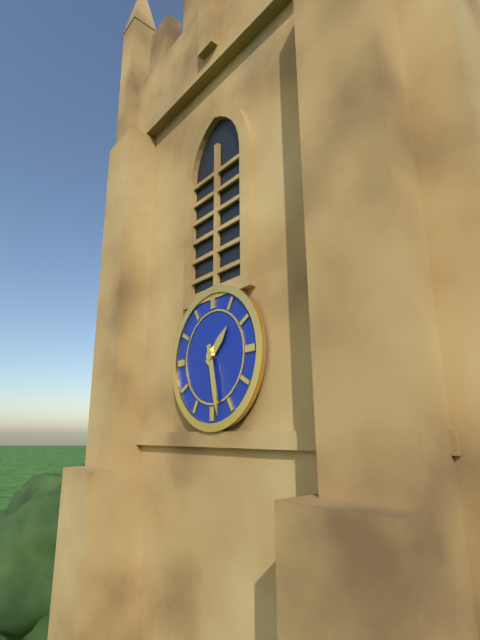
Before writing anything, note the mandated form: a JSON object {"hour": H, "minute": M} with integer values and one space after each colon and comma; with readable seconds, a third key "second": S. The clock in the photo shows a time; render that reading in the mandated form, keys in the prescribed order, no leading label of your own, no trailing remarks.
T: {"hour": 1, "minute": 28}
